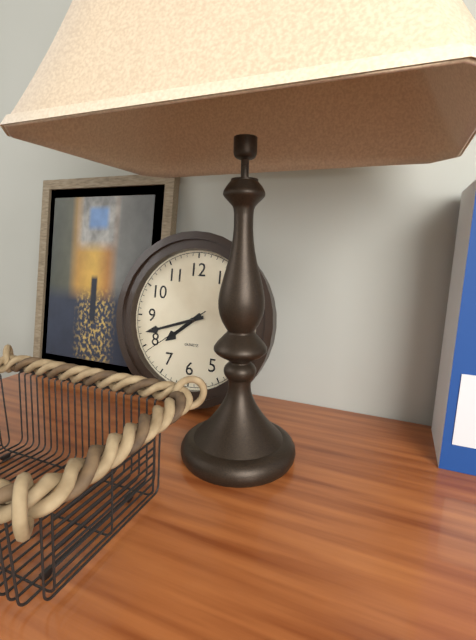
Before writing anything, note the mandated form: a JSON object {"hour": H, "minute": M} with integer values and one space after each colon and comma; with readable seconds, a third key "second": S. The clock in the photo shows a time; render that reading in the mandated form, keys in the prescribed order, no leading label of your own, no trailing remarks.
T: {"hour": 7, "minute": 42, "second": 39}
